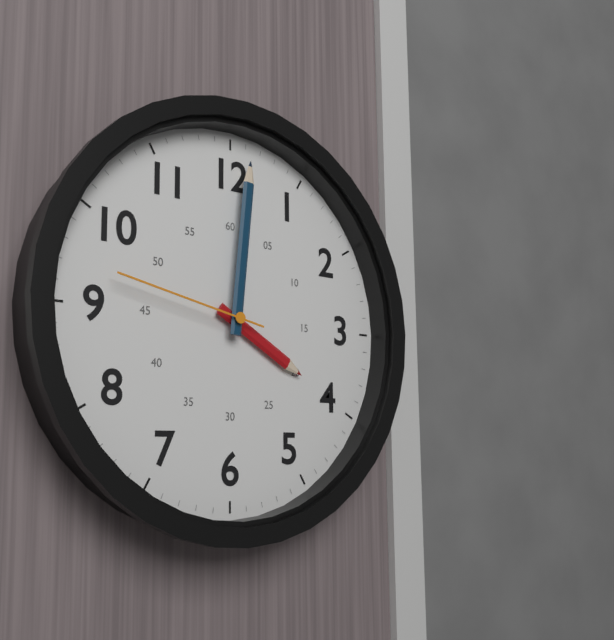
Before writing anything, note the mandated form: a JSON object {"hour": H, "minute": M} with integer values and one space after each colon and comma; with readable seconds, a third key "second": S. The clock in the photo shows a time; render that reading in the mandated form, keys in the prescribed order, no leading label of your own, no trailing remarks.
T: {"hour": 4, "minute": 1, "second": 47}
